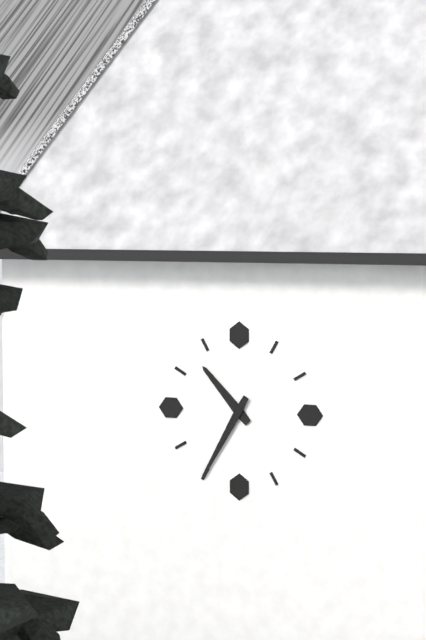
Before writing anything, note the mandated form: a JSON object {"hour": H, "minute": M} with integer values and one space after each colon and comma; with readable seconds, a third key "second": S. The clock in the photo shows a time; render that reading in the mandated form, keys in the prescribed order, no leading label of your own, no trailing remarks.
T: {"hour": 10, "minute": 35}
